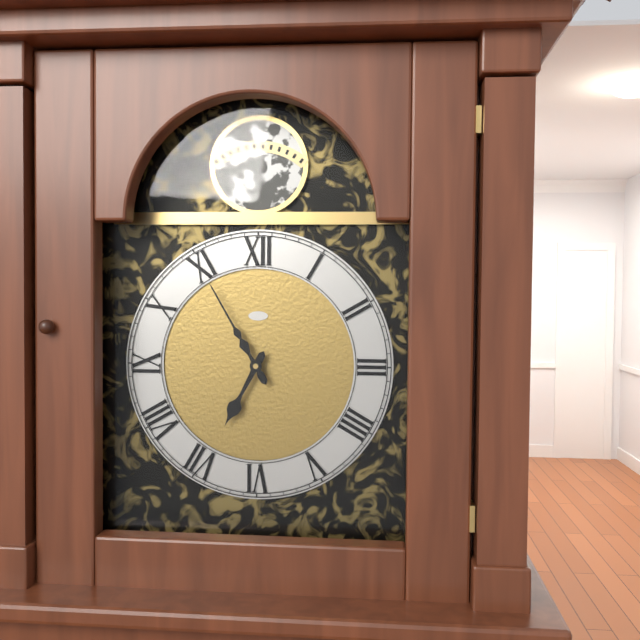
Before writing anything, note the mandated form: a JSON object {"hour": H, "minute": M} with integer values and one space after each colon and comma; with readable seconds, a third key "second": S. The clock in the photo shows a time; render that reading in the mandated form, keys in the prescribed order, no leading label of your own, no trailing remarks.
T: {"hour": 6, "minute": 55}
